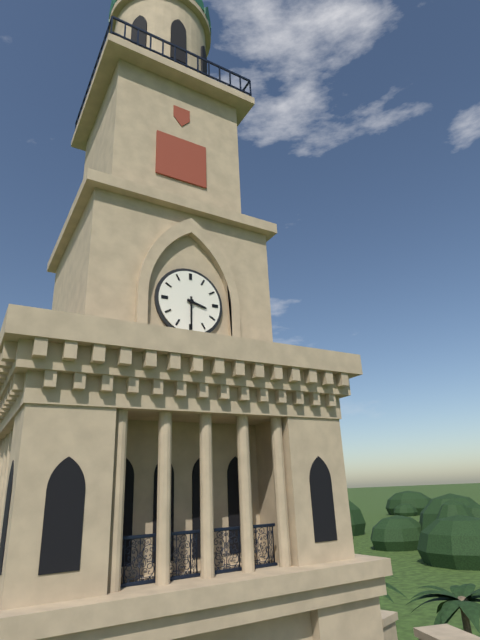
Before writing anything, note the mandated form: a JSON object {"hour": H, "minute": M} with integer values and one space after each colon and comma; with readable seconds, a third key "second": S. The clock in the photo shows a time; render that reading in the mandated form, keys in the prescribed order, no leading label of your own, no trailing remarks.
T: {"hour": 3, "minute": 30}
